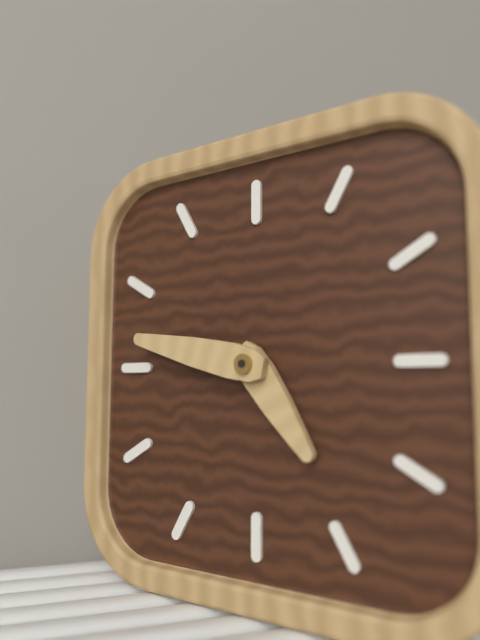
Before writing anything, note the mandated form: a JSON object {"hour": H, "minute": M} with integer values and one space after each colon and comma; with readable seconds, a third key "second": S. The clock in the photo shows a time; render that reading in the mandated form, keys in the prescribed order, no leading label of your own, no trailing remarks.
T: {"hour": 4, "minute": 47}
